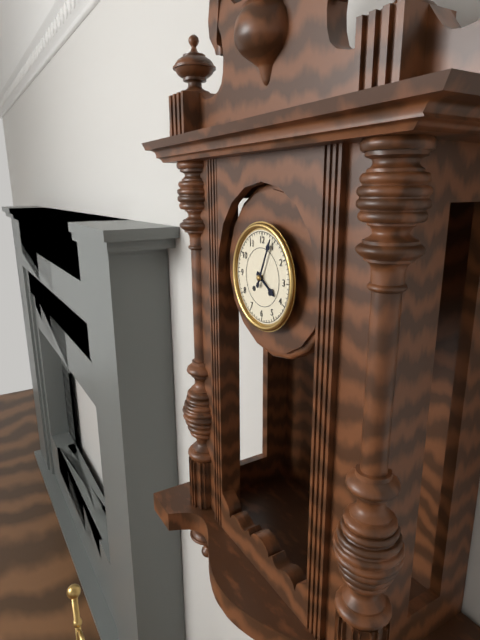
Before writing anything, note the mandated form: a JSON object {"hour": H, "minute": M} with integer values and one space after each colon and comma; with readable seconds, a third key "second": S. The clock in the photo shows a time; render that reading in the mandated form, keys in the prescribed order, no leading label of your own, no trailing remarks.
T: {"hour": 4, "minute": 4}
